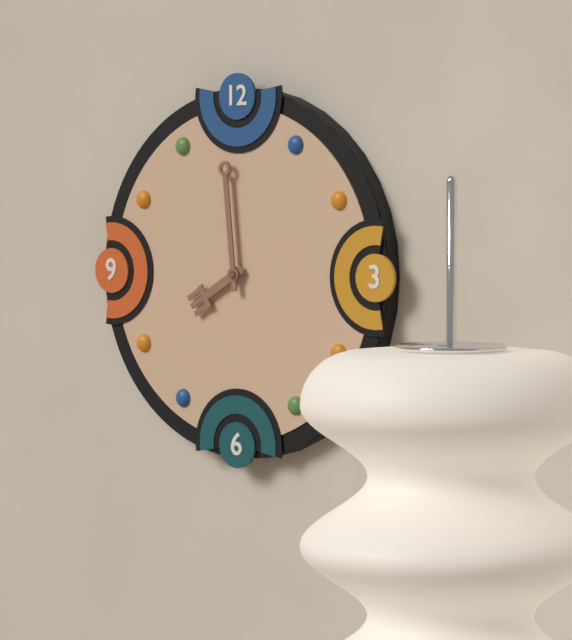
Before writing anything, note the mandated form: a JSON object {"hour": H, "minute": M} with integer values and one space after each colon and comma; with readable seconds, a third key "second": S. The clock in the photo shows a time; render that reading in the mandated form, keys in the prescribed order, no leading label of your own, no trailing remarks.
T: {"hour": 7, "minute": 59}
